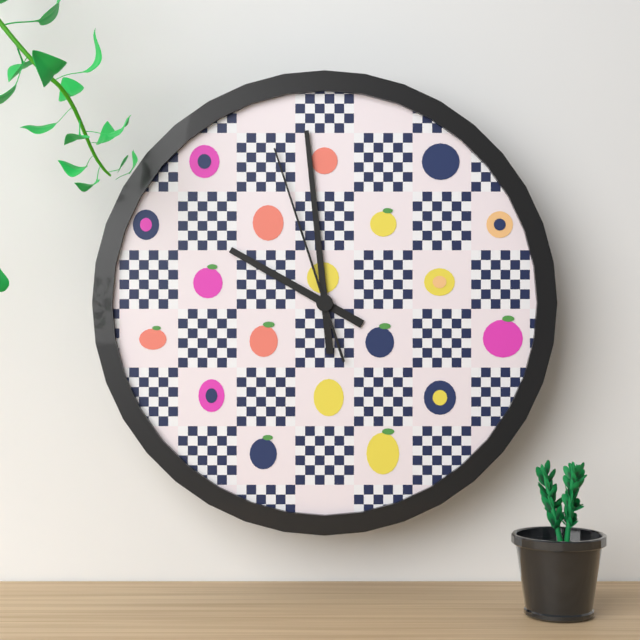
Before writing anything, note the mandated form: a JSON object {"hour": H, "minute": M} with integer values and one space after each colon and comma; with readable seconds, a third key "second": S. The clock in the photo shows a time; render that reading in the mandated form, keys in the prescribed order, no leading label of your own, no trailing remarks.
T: {"hour": 9, "minute": 59, "second": 57}
